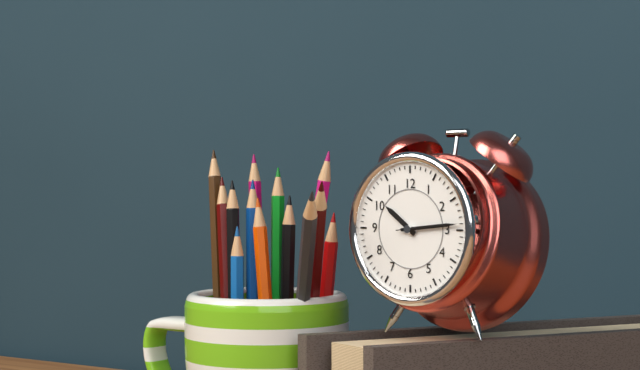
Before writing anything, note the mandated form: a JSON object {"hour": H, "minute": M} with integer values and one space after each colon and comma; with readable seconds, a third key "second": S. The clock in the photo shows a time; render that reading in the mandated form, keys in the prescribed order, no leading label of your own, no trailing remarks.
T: {"hour": 10, "minute": 14, "second": 14}
